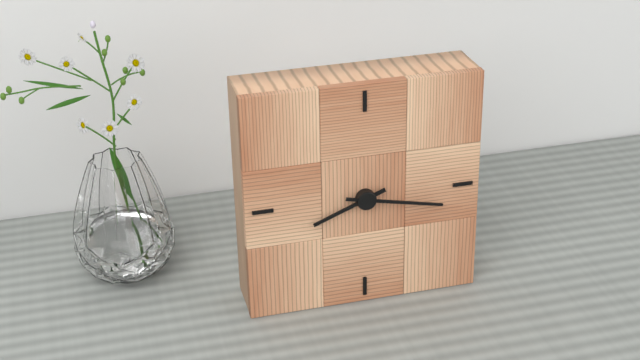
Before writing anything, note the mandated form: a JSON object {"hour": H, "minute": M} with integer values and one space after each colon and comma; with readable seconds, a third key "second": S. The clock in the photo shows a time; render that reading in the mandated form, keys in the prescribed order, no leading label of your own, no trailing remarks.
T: {"hour": 8, "minute": 17}
